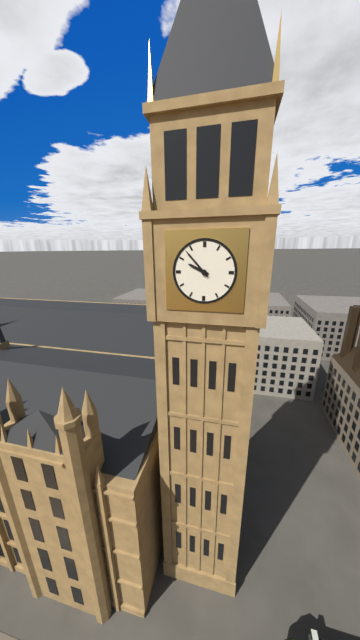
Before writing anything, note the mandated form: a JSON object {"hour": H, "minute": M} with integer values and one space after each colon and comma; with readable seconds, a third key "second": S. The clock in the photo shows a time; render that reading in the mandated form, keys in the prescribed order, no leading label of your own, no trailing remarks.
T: {"hour": 9, "minute": 53}
